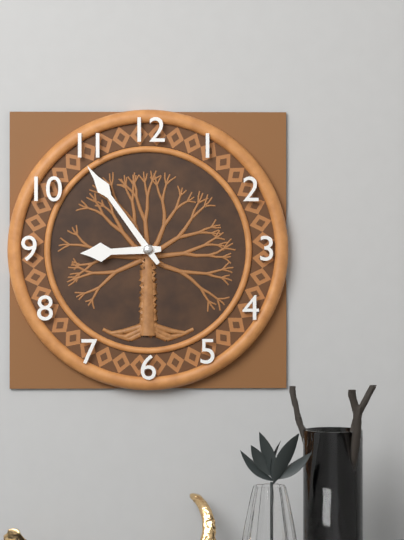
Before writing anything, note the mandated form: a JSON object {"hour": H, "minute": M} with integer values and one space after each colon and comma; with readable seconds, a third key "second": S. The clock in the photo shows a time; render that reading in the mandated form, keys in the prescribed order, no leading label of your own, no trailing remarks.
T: {"hour": 8, "minute": 54}
